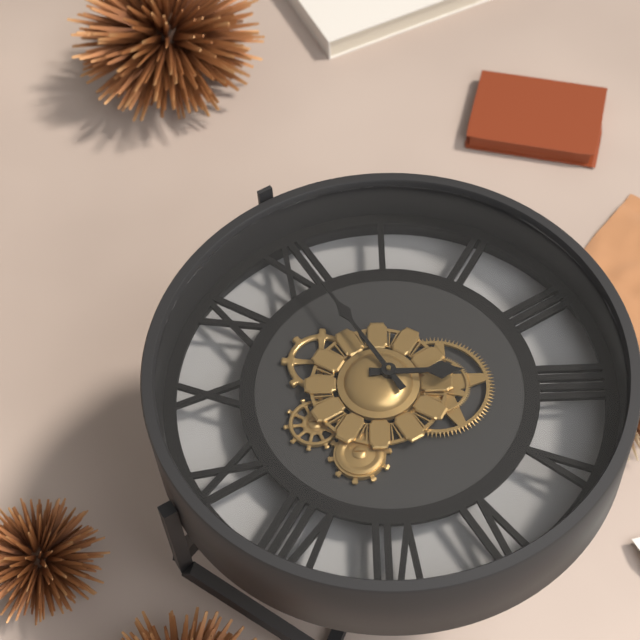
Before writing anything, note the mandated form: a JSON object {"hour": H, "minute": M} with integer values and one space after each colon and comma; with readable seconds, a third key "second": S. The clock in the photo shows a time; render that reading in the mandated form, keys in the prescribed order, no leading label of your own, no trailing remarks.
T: {"hour": 4, "minute": 0}
